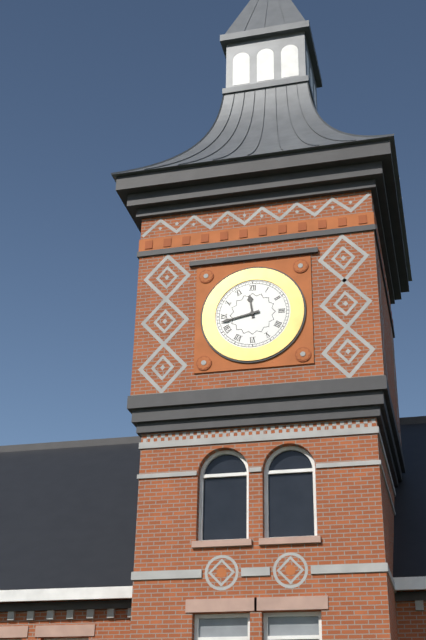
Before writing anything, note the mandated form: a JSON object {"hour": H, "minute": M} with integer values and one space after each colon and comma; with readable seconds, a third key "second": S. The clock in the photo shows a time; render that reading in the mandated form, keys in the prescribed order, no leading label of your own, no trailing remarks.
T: {"hour": 11, "minute": 43}
